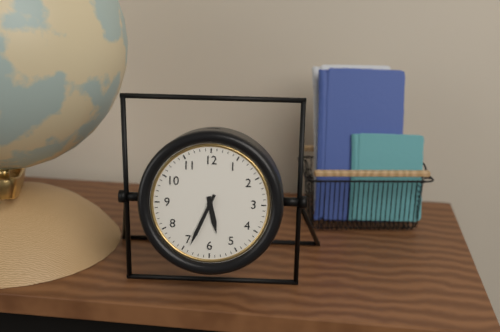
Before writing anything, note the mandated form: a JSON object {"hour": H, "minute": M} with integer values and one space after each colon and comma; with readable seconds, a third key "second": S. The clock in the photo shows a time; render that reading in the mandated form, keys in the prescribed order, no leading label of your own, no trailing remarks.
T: {"hour": 5, "minute": 34}
